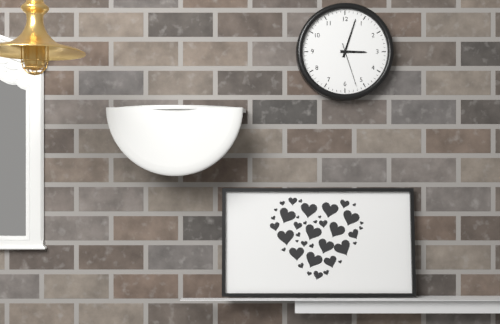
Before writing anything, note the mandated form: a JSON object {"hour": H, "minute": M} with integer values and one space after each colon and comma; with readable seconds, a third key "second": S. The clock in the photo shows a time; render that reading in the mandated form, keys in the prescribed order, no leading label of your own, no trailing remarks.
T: {"hour": 3, "minute": 3}
